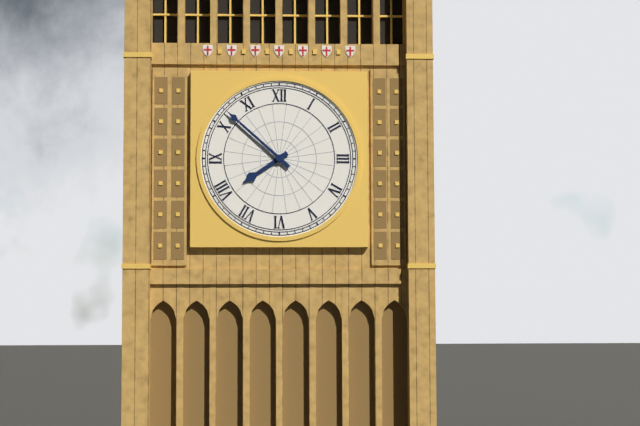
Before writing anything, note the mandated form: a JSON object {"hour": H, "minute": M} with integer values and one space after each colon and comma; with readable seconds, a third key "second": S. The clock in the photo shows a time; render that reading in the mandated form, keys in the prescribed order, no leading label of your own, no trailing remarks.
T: {"hour": 7, "minute": 52}
